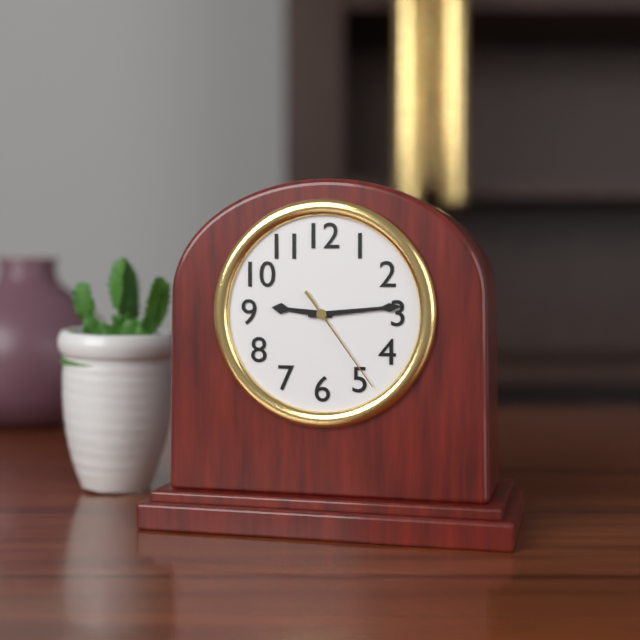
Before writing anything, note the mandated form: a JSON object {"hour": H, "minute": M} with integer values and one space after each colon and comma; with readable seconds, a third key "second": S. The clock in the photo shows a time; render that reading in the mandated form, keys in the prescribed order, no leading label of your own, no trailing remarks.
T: {"hour": 9, "minute": 14, "second": 24}
